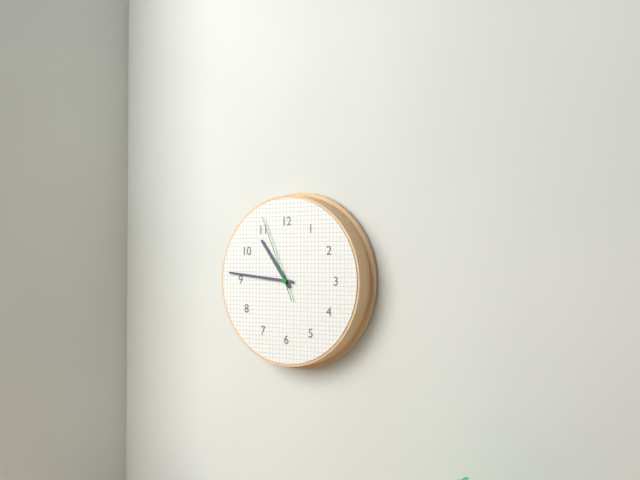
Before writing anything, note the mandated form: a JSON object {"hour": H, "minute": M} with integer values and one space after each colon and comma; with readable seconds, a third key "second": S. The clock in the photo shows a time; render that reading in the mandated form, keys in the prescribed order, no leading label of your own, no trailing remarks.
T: {"hour": 10, "minute": 46, "second": 56}
